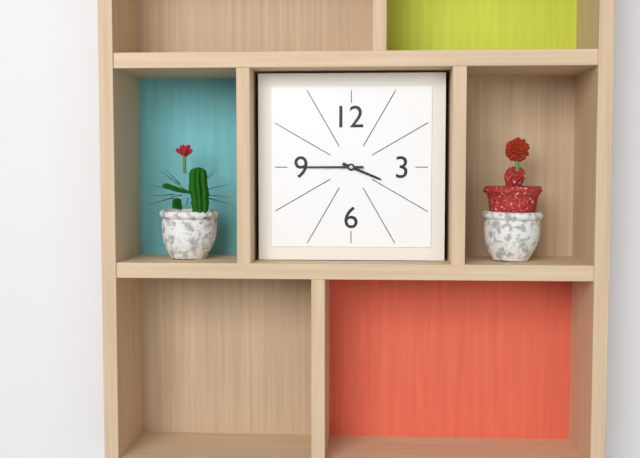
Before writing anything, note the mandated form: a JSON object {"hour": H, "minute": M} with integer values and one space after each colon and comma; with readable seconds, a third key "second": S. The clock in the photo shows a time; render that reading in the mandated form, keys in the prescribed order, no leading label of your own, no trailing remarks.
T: {"hour": 3, "minute": 45}
